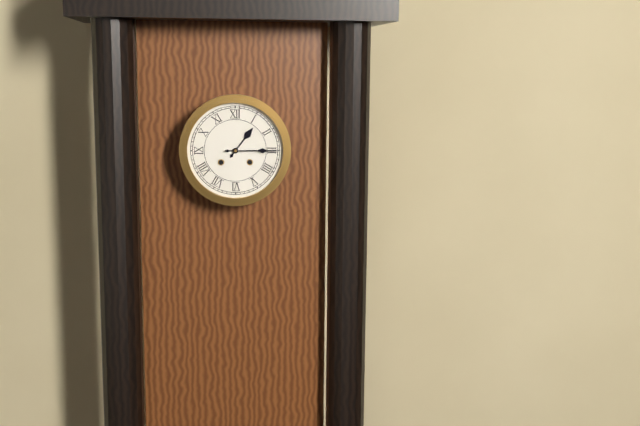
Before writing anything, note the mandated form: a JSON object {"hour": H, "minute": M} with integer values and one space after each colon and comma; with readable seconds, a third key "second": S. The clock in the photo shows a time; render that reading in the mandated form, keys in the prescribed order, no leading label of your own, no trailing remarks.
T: {"hour": 1, "minute": 15}
